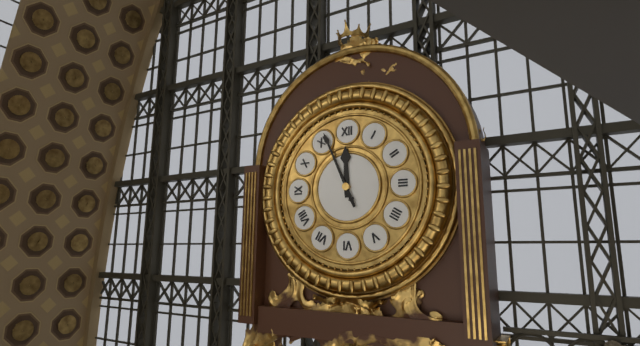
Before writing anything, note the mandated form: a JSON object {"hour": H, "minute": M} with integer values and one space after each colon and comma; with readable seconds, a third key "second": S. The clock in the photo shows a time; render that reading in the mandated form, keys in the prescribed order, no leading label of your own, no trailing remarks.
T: {"hour": 11, "minute": 56}
